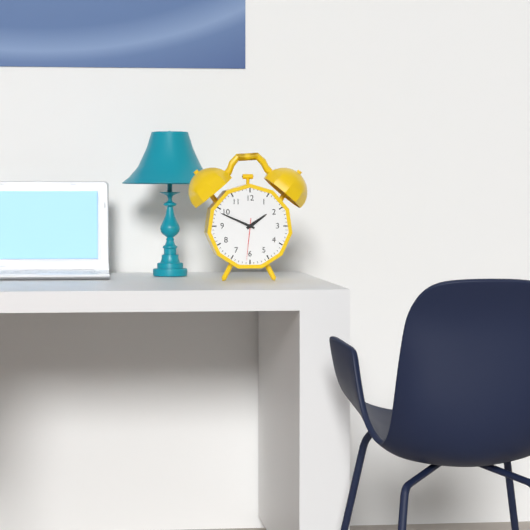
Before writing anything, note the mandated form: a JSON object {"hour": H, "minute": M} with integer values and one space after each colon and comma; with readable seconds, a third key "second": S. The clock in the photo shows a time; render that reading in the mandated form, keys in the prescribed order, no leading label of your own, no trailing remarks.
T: {"hour": 1, "minute": 49}
